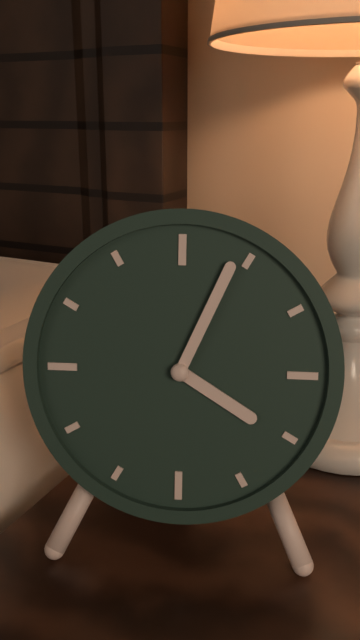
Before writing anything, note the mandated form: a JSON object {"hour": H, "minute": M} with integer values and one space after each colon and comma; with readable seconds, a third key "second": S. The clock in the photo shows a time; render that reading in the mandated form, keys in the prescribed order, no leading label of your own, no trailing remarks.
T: {"hour": 4, "minute": 4}
